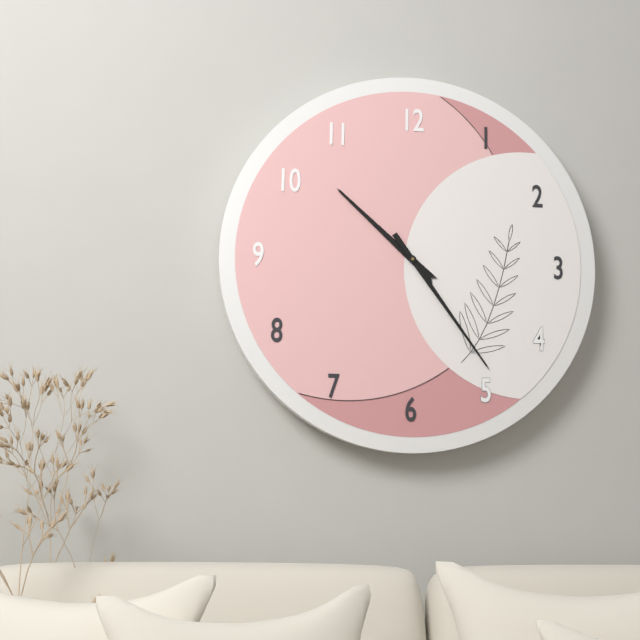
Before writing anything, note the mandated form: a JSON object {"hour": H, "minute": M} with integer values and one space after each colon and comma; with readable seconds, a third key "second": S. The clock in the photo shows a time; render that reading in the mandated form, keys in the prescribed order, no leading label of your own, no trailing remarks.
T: {"hour": 10, "minute": 24}
